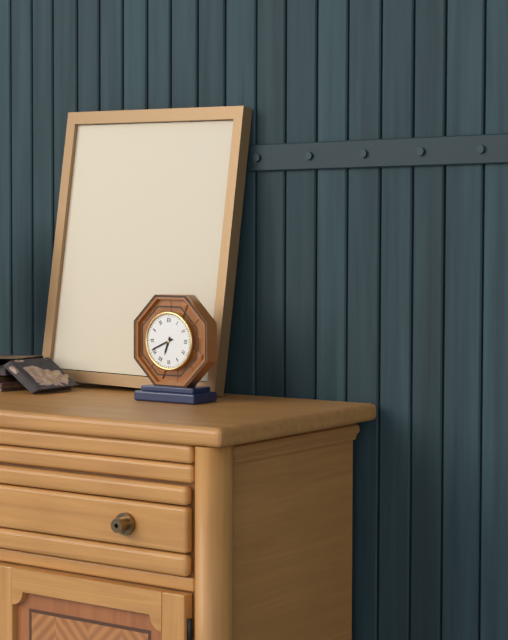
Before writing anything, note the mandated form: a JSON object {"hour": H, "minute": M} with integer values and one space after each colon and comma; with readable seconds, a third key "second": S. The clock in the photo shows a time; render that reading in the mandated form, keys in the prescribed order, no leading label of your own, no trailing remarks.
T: {"hour": 6, "minute": 41}
